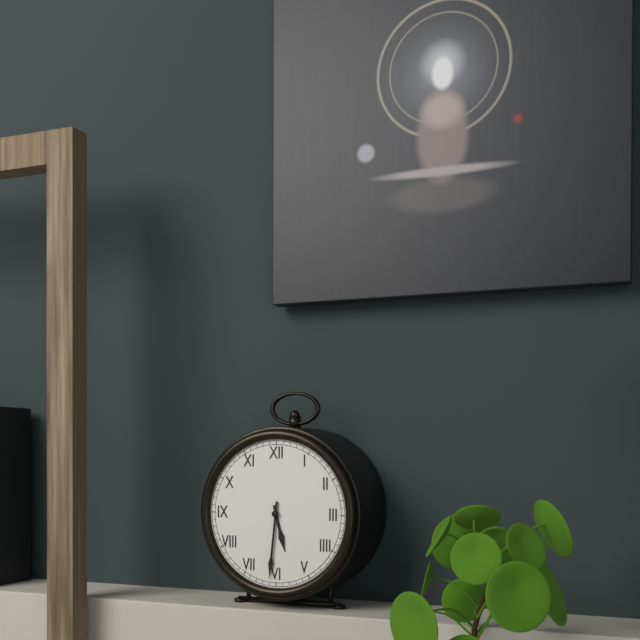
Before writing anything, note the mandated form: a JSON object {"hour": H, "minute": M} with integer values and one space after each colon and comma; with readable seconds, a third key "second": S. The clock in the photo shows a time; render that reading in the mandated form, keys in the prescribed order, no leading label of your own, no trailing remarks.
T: {"hour": 5, "minute": 31}
